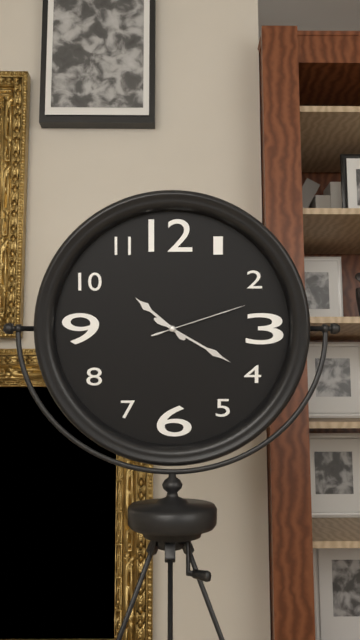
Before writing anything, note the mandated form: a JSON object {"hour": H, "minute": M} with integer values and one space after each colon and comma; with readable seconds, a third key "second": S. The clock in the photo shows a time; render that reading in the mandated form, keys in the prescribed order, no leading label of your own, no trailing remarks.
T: {"hour": 10, "minute": 20, "second": 12}
